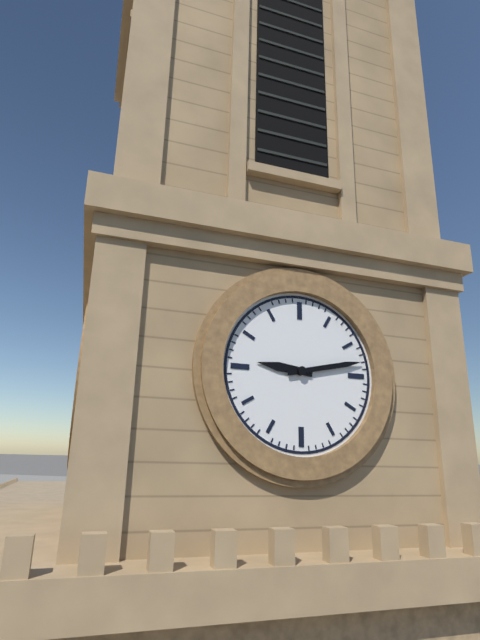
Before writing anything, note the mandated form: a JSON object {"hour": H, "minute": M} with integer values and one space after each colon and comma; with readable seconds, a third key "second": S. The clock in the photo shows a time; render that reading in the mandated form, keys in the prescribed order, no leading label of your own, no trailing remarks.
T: {"hour": 9, "minute": 13}
